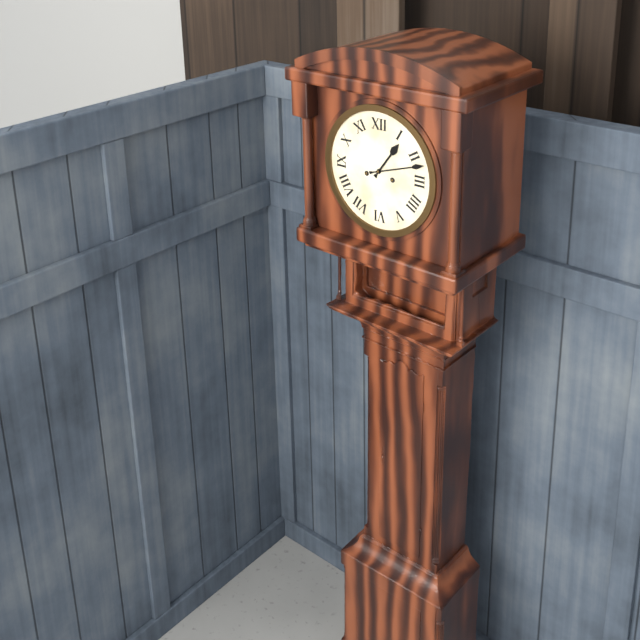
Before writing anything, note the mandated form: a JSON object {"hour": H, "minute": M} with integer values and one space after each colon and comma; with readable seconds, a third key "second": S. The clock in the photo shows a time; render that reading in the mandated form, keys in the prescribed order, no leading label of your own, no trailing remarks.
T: {"hour": 1, "minute": 12}
